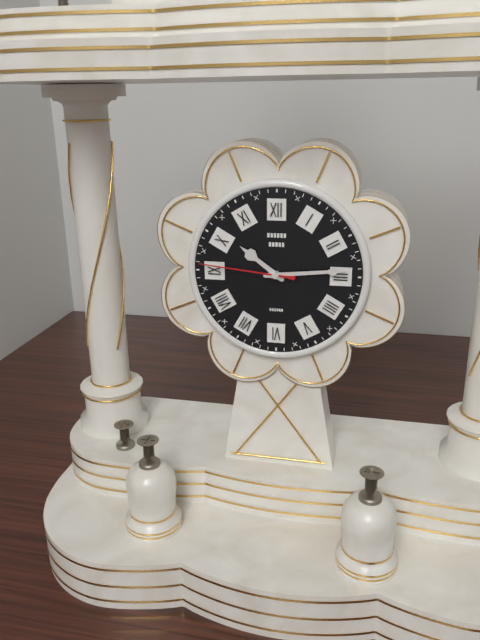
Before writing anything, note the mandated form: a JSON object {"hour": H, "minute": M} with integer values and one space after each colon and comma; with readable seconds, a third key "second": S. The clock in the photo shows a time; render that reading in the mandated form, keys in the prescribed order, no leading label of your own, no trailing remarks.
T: {"hour": 10, "minute": 14, "second": 46}
